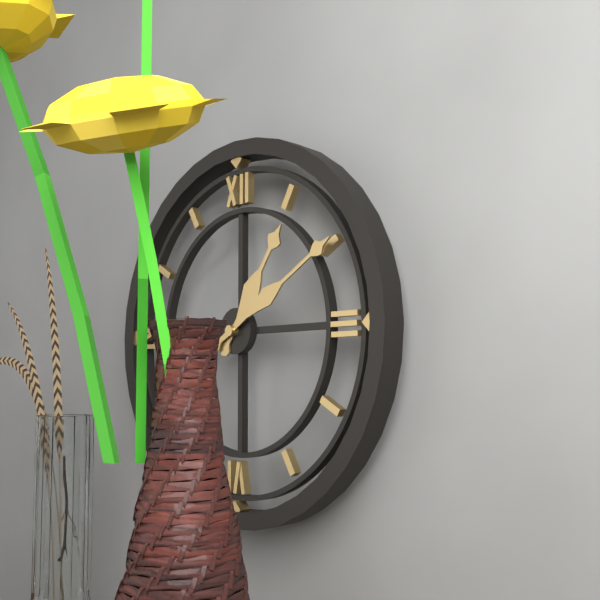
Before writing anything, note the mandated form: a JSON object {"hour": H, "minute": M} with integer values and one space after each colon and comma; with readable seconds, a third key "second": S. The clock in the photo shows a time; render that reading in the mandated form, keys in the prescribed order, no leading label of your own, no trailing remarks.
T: {"hour": 1, "minute": 10}
